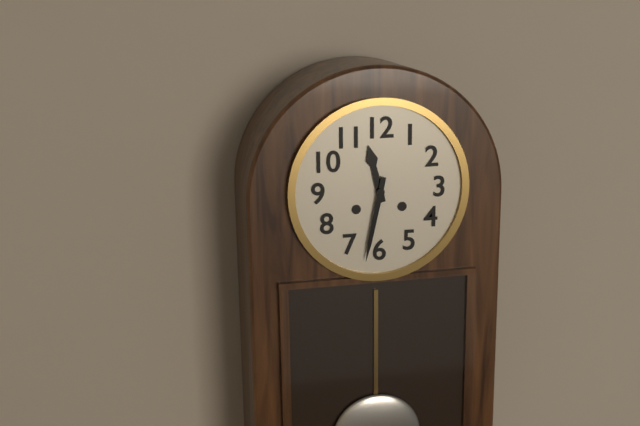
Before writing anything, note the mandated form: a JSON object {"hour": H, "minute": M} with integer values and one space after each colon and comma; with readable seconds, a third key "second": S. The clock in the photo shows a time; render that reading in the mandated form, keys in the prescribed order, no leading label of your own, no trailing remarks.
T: {"hour": 11, "minute": 32}
